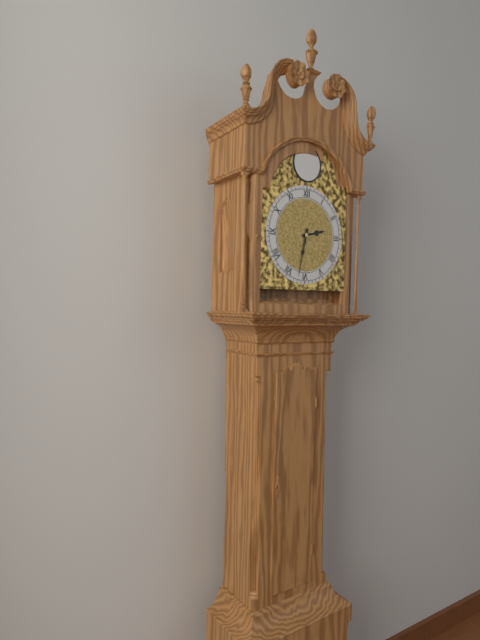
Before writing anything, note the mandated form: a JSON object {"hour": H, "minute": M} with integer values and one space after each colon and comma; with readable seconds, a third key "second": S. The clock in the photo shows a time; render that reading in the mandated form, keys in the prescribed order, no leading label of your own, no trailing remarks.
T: {"hour": 2, "minute": 32}
